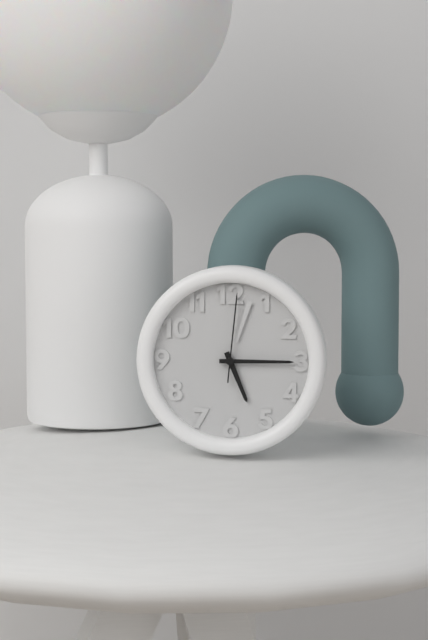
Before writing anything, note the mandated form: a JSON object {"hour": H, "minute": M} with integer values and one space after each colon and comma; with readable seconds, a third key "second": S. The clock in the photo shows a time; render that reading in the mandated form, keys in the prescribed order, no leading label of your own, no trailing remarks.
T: {"hour": 5, "minute": 15, "second": 1}
